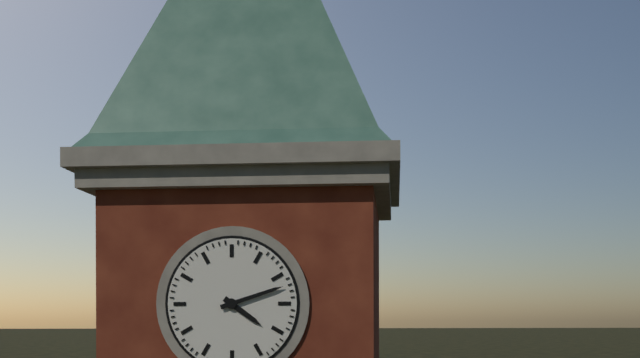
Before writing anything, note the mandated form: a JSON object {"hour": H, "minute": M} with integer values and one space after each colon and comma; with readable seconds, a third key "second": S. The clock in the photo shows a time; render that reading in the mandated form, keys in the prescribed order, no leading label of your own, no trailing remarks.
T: {"hour": 4, "minute": 12}
